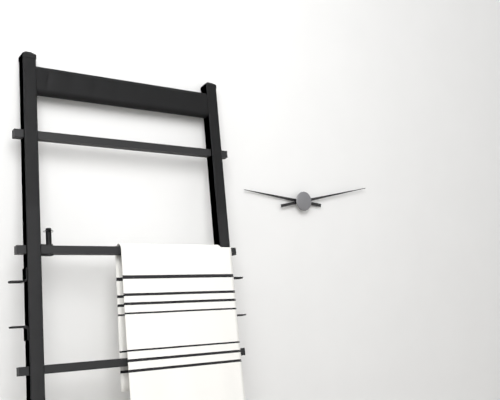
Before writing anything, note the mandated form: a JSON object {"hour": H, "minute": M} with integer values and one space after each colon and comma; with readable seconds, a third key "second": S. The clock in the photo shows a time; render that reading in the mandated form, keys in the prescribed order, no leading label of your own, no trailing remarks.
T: {"hour": 9, "minute": 13}
